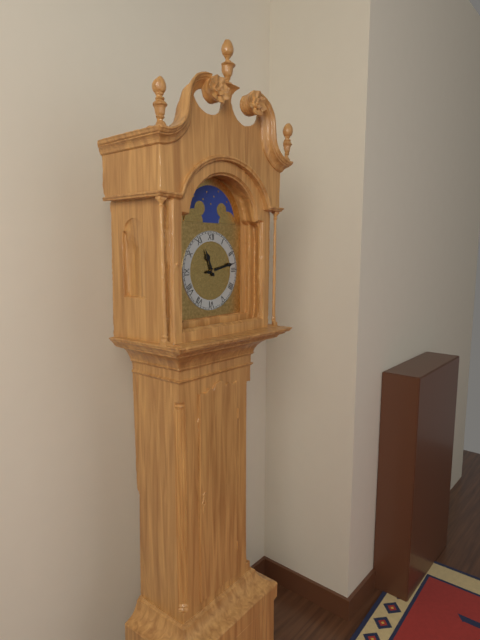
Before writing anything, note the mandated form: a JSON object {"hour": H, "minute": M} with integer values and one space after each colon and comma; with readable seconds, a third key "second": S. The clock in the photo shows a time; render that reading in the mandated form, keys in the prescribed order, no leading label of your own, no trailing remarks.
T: {"hour": 11, "minute": 13}
